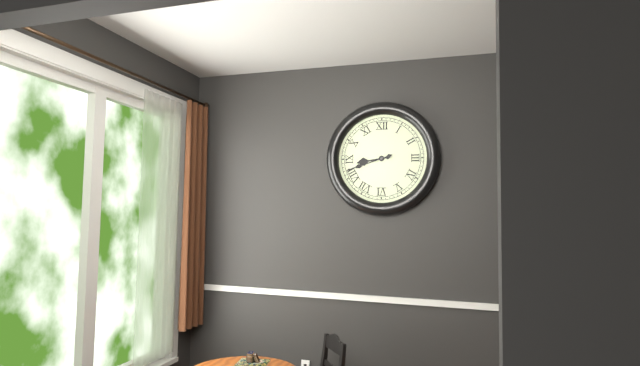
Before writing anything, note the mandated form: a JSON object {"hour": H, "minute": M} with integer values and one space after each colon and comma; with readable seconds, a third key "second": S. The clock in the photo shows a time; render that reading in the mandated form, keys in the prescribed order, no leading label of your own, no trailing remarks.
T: {"hour": 8, "minute": 42}
